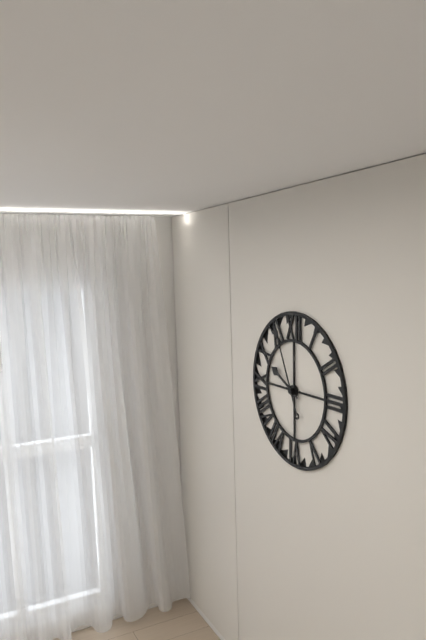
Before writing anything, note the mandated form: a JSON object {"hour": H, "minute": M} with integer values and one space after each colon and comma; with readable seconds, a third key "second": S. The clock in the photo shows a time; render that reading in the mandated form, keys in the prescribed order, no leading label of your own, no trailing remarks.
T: {"hour": 9, "minute": 56}
